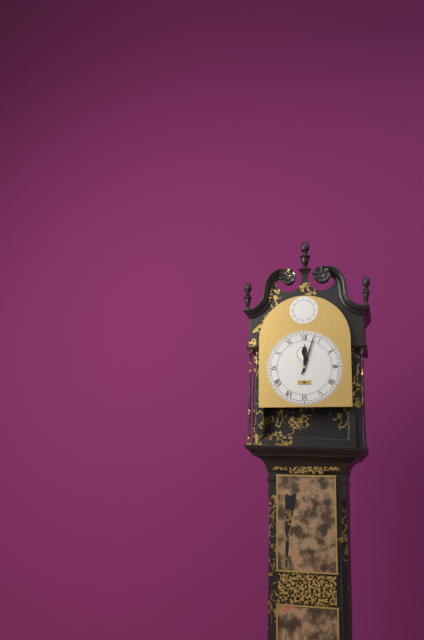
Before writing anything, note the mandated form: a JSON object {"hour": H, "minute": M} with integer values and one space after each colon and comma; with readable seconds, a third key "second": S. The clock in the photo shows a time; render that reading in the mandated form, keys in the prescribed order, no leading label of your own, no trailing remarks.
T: {"hour": 12, "minute": 3}
